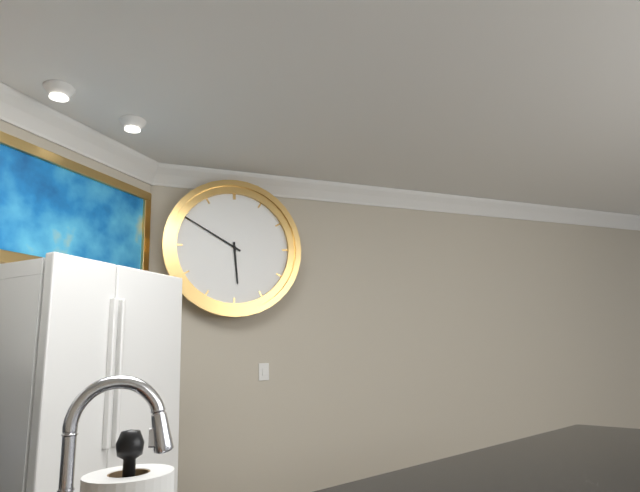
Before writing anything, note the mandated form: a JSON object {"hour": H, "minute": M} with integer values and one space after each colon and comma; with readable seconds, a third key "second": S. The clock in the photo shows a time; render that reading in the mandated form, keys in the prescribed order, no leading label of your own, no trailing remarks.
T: {"hour": 5, "minute": 50}
